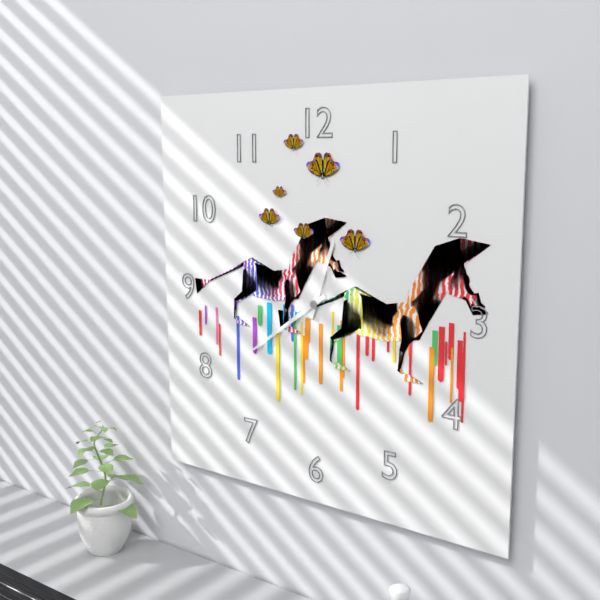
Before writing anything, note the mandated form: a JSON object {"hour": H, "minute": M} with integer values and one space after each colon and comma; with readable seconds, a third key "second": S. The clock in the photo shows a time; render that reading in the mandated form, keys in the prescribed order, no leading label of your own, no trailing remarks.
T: {"hour": 12, "minute": 39}
